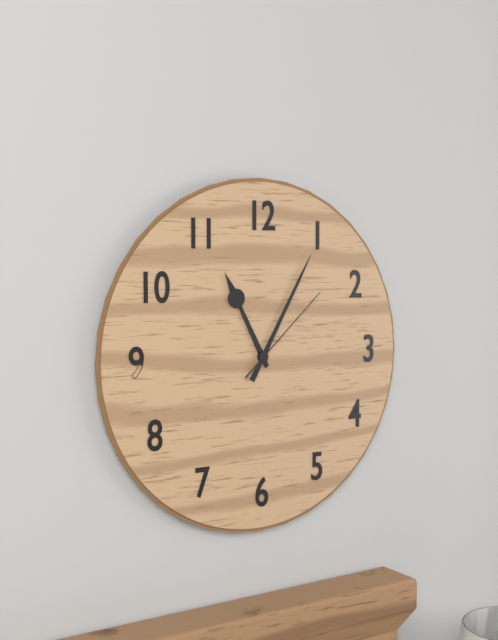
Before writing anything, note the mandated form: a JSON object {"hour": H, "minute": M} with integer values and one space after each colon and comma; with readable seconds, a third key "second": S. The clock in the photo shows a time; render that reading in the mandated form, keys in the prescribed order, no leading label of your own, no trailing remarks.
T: {"hour": 11, "minute": 5, "second": 8}
